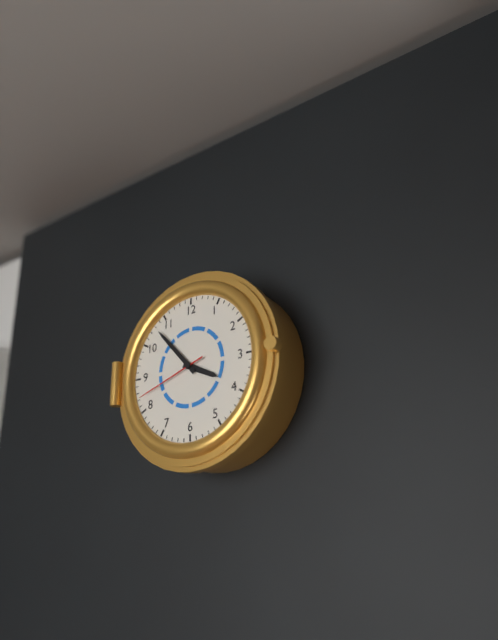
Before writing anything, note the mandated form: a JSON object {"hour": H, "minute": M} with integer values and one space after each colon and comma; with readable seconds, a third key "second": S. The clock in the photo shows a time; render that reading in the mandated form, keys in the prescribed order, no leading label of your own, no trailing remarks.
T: {"hour": 3, "minute": 53, "second": 42}
